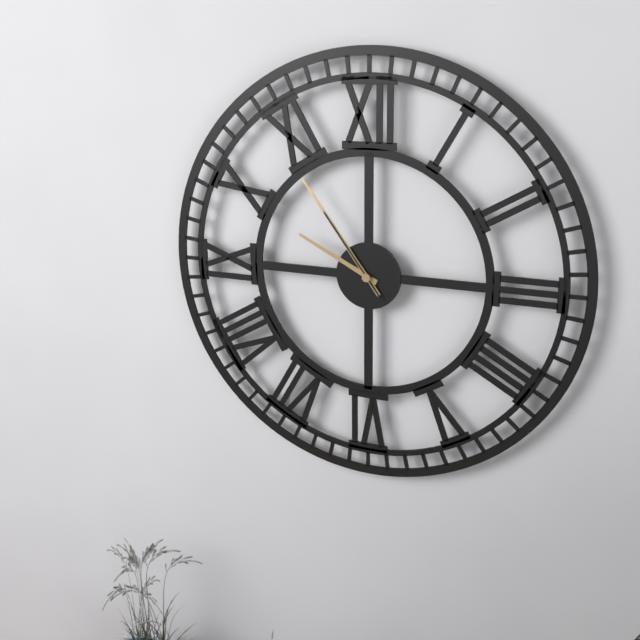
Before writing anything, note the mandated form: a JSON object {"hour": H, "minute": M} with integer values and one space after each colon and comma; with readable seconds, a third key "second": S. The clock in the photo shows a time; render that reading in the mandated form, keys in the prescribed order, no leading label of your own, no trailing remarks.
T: {"hour": 9, "minute": 54, "second": 54}
